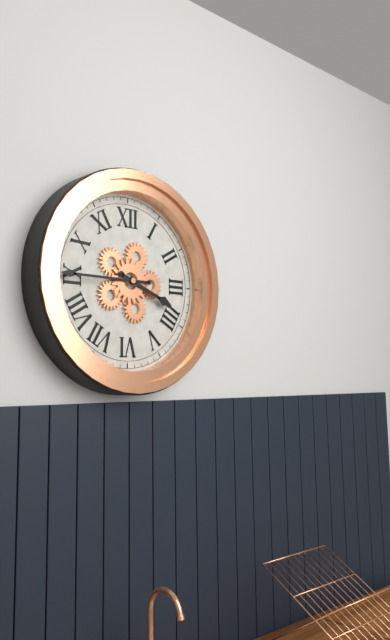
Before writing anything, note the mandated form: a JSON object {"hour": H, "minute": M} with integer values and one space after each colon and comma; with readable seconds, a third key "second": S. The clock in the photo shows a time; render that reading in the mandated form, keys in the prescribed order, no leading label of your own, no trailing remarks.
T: {"hour": 3, "minute": 45}
